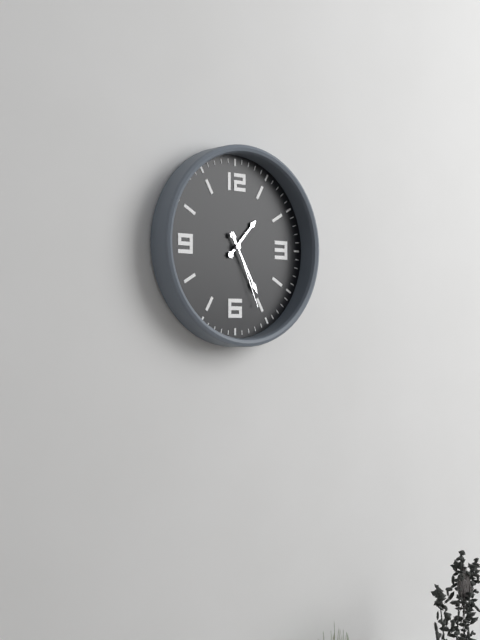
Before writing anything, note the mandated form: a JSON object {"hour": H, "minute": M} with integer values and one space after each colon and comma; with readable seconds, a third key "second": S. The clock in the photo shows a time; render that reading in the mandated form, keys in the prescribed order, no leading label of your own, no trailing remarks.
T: {"hour": 1, "minute": 25, "second": 26}
